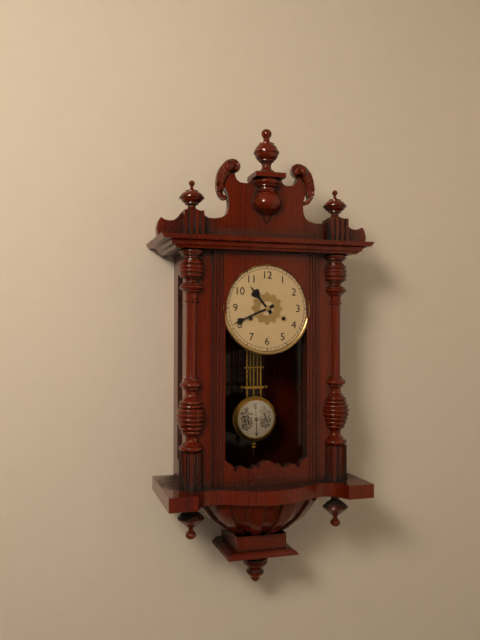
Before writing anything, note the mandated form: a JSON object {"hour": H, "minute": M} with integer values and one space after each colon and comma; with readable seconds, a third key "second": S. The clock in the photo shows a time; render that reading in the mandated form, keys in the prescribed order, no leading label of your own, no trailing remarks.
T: {"hour": 10, "minute": 41}
